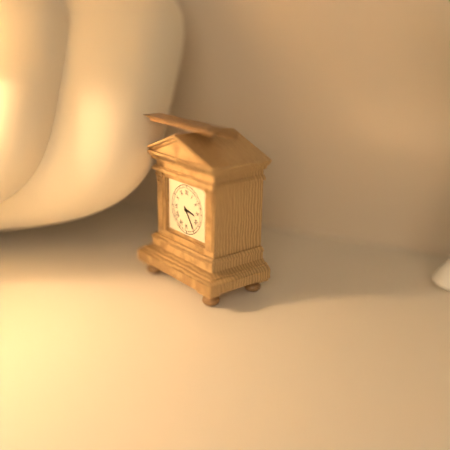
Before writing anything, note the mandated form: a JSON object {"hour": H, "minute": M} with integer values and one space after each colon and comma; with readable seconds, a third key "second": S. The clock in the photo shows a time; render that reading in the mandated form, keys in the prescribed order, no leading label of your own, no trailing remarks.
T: {"hour": 3, "minute": 24}
